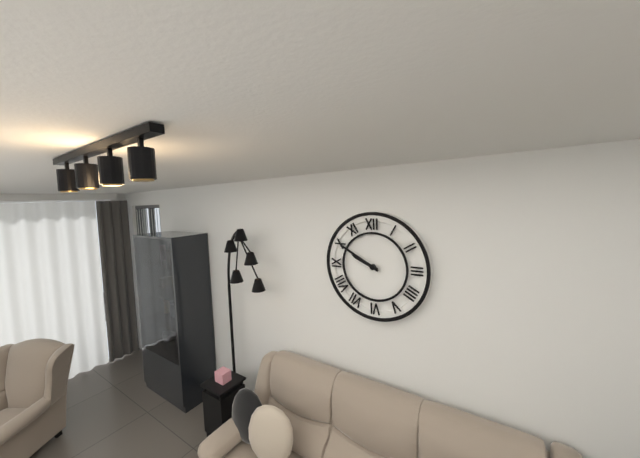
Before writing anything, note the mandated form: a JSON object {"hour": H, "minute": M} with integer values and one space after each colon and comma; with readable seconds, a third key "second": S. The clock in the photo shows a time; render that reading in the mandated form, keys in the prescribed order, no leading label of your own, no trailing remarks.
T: {"hour": 9, "minute": 50}
